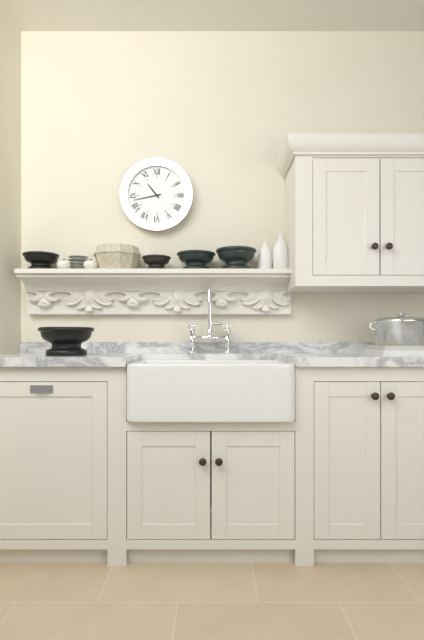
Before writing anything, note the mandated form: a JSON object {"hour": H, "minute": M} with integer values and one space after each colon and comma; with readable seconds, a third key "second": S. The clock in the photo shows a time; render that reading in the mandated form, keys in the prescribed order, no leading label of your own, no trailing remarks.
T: {"hour": 10, "minute": 43}
